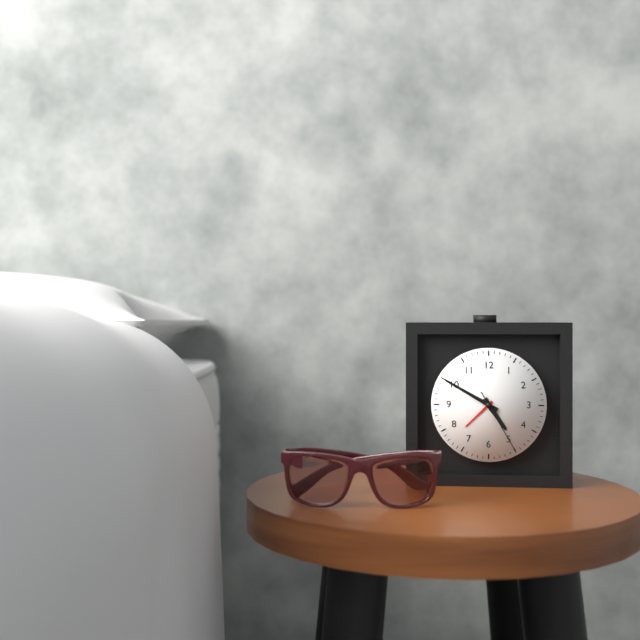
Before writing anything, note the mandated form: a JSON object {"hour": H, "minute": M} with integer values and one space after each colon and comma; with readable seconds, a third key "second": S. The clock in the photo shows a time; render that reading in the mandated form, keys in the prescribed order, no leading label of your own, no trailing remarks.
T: {"hour": 4, "minute": 50, "second": 25}
